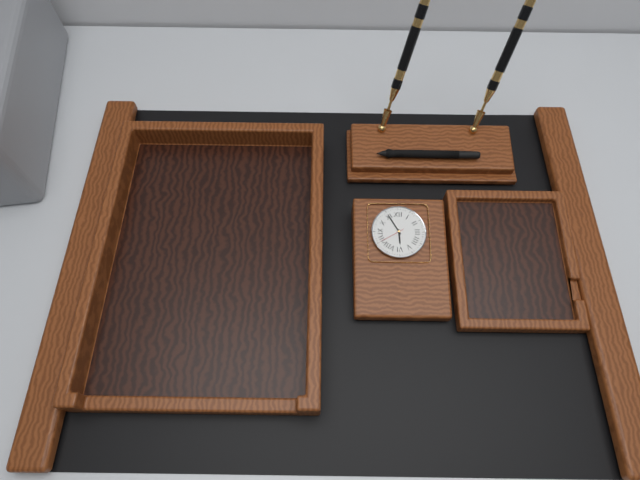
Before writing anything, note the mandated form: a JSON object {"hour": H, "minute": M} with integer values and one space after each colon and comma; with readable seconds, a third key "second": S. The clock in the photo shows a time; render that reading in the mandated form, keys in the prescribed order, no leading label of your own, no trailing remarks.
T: {"hour": 5, "minute": 55}
